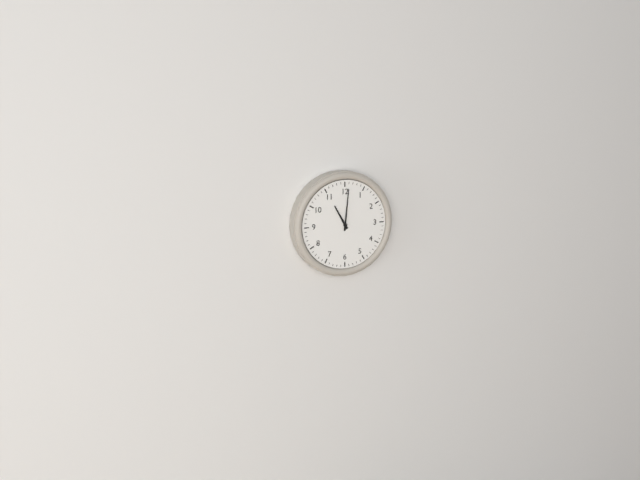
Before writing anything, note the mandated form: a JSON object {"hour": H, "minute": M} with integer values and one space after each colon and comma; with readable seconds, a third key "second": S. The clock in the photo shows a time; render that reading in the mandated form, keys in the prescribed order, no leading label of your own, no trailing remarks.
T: {"hour": 11, "minute": 1}
